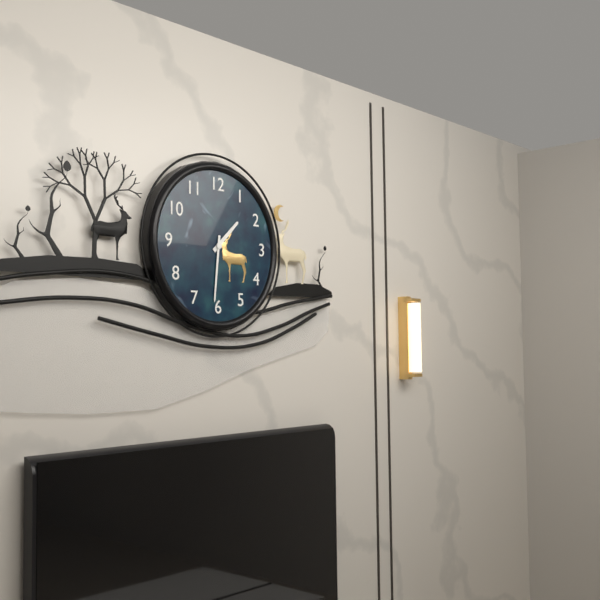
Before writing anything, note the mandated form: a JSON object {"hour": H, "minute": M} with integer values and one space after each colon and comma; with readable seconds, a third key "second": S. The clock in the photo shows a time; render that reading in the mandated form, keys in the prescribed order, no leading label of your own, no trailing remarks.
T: {"hour": 1, "minute": 31}
